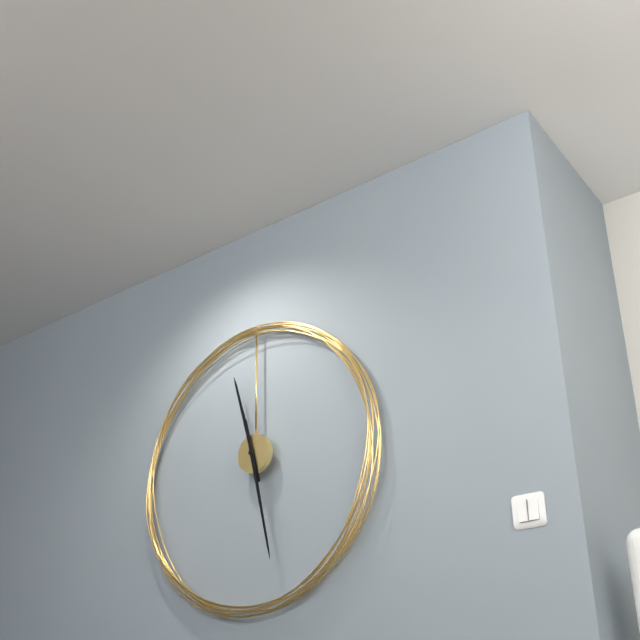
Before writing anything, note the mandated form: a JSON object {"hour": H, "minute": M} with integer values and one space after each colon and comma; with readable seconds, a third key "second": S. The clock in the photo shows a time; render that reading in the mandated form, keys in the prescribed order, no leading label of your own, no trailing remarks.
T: {"hour": 11, "minute": 28}
